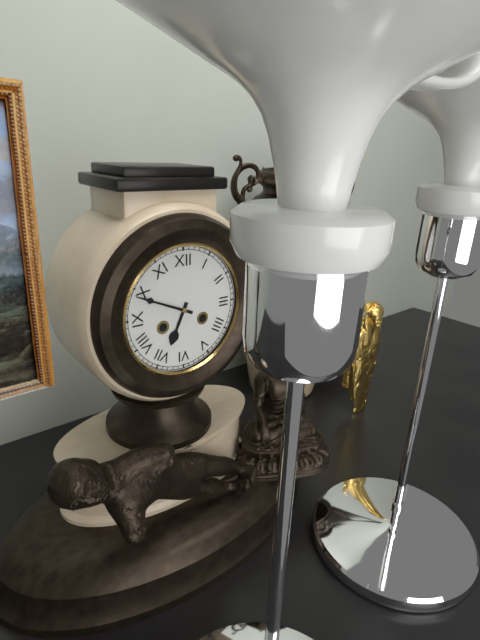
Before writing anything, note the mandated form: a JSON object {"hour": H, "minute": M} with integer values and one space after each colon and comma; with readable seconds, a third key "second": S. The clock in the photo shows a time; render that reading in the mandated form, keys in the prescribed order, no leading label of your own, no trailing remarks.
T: {"hour": 6, "minute": 49}
